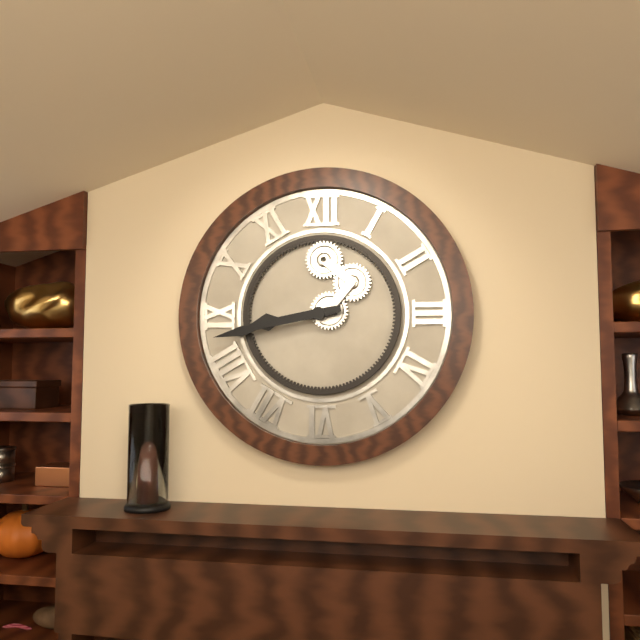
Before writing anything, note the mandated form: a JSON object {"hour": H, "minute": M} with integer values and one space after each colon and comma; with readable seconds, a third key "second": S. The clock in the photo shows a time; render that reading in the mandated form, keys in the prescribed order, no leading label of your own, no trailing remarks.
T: {"hour": 8, "minute": 43}
